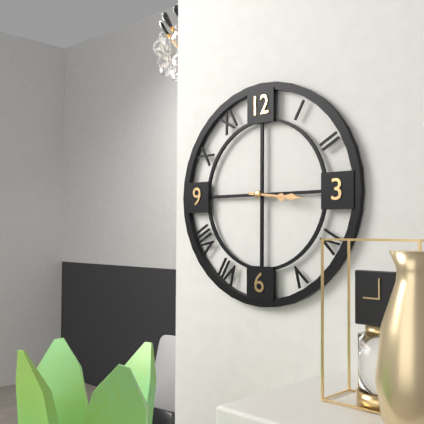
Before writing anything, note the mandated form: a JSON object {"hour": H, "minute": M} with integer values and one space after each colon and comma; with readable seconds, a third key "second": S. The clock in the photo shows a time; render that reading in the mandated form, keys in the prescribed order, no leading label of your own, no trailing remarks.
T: {"hour": 3, "minute": 16}
